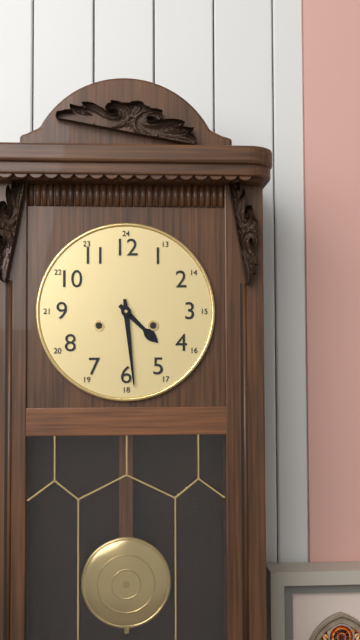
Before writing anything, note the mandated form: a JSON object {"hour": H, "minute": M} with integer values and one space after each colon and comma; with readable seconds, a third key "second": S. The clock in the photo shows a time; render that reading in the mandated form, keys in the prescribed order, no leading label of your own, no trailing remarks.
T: {"hour": 4, "minute": 29}
